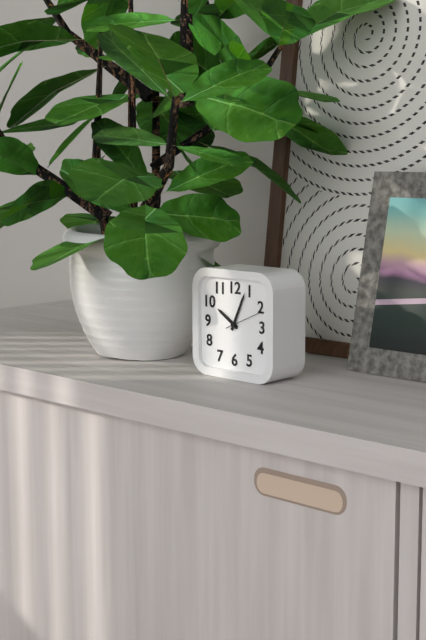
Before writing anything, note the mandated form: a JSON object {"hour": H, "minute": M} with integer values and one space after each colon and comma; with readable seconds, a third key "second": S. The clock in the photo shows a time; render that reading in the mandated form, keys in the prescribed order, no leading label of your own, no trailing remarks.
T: {"hour": 10, "minute": 4}
